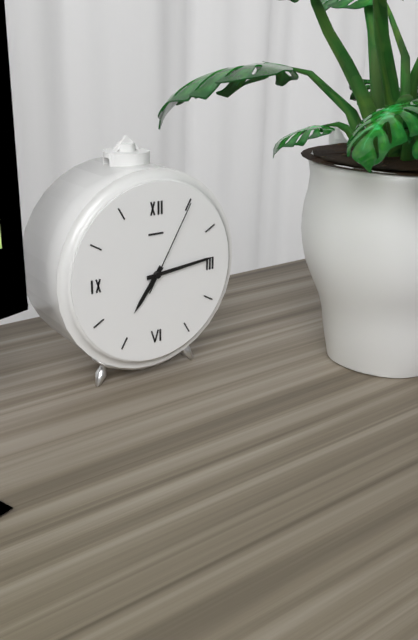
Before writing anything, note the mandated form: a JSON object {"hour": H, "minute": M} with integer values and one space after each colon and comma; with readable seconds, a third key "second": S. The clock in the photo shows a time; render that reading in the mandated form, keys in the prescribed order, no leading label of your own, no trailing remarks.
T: {"hour": 7, "minute": 14, "second": 5}
